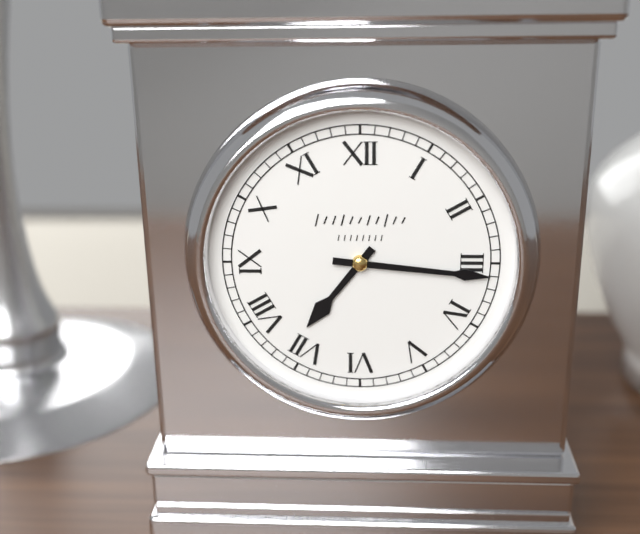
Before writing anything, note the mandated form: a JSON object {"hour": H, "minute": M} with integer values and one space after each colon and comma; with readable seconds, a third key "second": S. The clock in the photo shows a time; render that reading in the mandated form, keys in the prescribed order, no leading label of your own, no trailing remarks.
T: {"hour": 7, "minute": 16}
